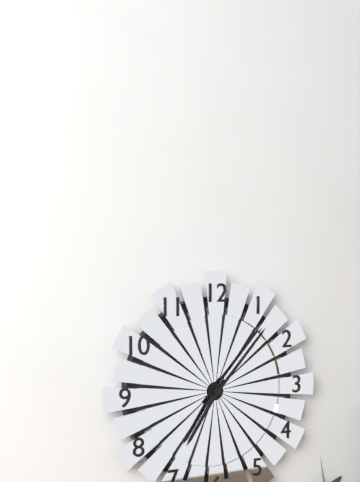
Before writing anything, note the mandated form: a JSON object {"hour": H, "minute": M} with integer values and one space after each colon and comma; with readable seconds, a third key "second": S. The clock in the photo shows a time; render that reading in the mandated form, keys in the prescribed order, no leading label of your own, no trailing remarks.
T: {"hour": 7, "minute": 7}
